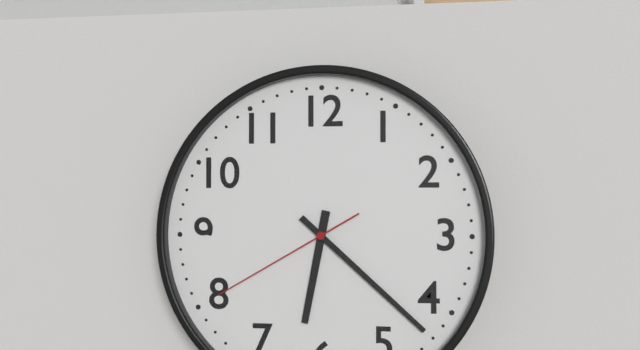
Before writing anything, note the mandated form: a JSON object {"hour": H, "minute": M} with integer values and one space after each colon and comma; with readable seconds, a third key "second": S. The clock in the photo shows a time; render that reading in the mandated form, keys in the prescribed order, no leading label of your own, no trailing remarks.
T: {"hour": 6, "minute": 22, "second": 40}
